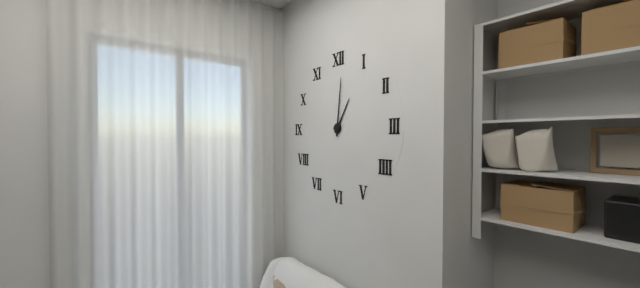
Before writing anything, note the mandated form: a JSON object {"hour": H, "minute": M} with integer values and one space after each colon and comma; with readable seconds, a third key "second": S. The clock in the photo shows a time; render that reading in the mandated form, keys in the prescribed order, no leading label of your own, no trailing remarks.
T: {"hour": 1, "minute": 1}
